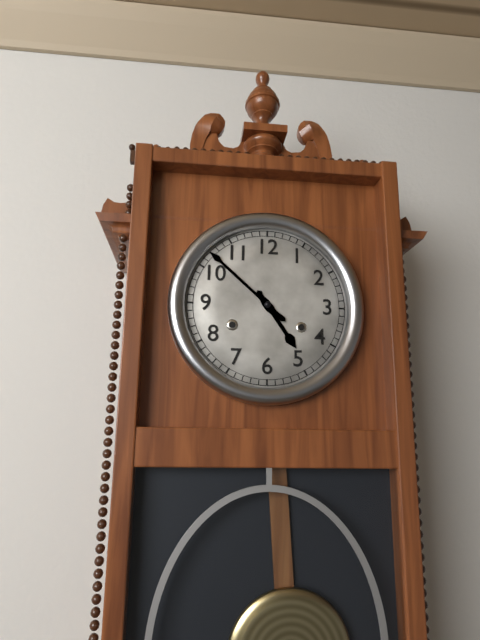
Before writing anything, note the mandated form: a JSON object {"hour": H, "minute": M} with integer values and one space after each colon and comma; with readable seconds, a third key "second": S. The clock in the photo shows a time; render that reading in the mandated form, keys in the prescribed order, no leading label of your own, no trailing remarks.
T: {"hour": 4, "minute": 52}
